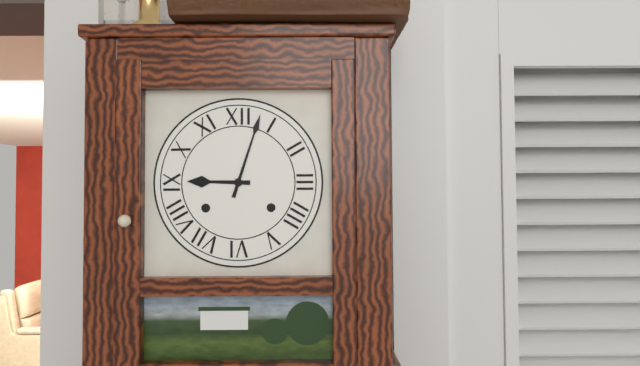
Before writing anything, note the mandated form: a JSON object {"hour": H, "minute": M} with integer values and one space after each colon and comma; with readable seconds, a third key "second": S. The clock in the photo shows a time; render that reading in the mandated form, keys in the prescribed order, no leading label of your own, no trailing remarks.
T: {"hour": 9, "minute": 3}
